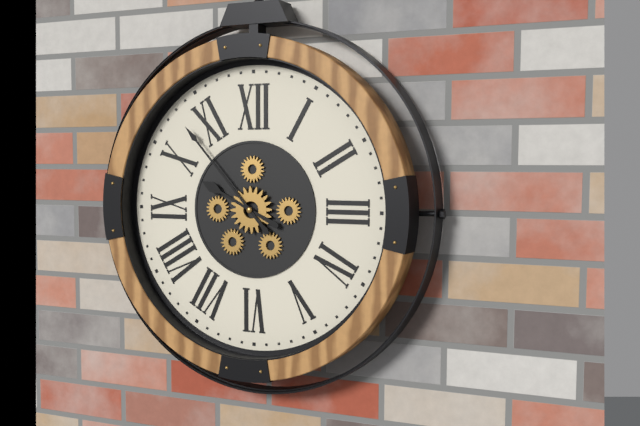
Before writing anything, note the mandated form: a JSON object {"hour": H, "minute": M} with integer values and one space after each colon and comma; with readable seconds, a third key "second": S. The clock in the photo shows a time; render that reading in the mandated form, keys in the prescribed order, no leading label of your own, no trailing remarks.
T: {"hour": 9, "minute": 53}
